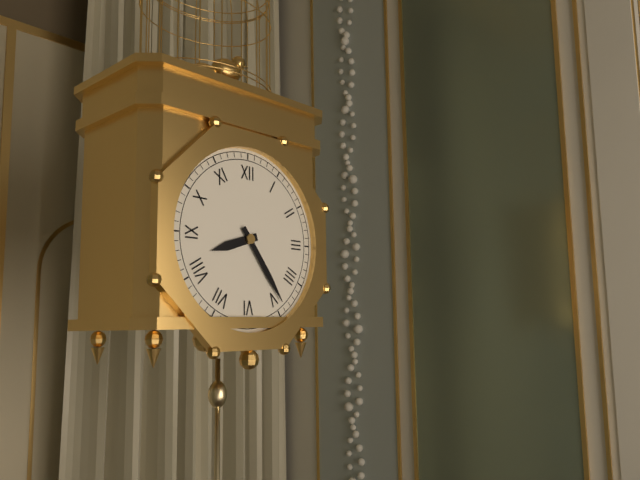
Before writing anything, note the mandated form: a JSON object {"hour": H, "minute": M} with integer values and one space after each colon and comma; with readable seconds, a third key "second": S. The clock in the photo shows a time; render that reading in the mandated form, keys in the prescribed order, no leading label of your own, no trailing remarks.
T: {"hour": 8, "minute": 24}
